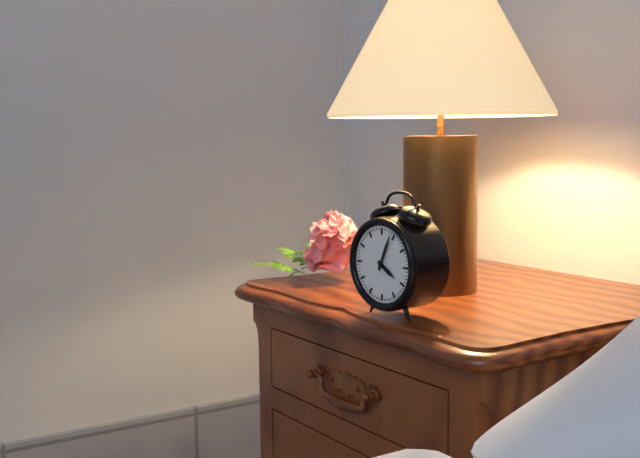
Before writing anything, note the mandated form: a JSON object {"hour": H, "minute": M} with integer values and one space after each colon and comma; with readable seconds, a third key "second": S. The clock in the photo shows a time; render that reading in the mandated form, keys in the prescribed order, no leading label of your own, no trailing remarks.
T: {"hour": 4, "minute": 4}
